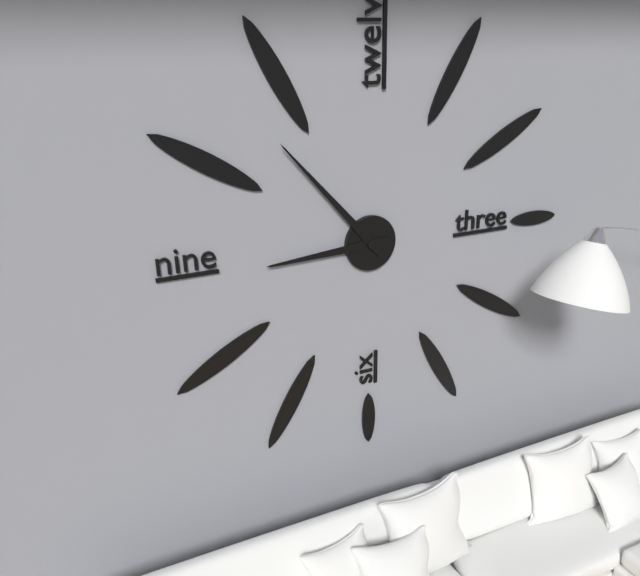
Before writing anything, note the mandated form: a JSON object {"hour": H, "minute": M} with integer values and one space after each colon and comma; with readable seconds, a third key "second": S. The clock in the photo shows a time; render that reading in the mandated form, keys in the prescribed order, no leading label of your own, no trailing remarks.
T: {"hour": 8, "minute": 53}
